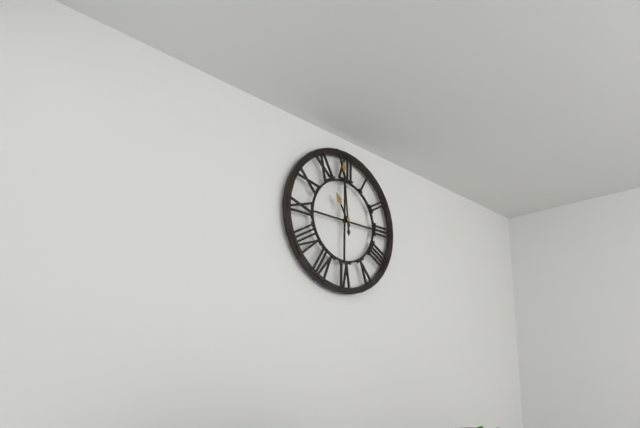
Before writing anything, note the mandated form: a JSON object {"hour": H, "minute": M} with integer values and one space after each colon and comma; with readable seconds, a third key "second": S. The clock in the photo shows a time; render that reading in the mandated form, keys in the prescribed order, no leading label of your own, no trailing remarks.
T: {"hour": 10, "minute": 59}
